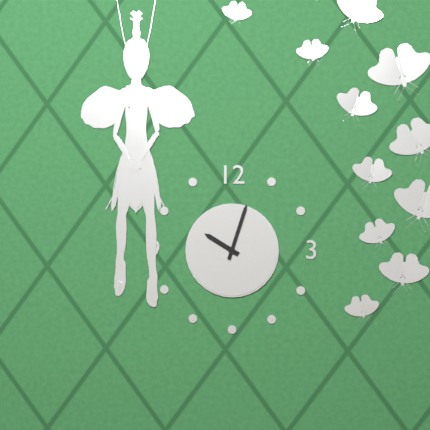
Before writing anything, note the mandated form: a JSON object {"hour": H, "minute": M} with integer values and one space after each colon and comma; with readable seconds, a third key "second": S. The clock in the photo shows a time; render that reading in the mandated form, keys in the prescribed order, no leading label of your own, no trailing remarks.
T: {"hour": 10, "minute": 3}
